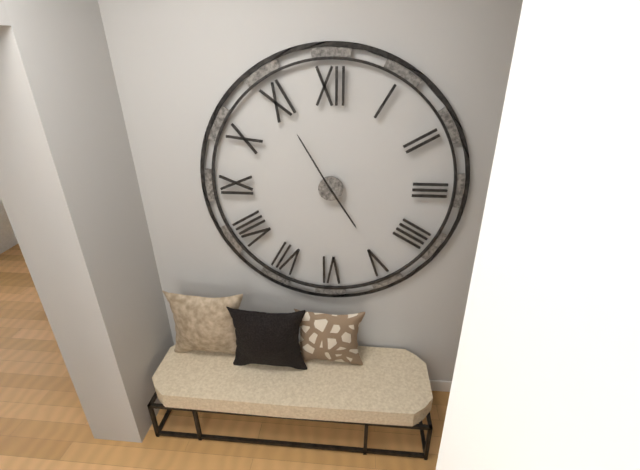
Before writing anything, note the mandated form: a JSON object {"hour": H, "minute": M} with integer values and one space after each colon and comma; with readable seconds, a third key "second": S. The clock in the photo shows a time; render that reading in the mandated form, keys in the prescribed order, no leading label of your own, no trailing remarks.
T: {"hour": 4, "minute": 55}
